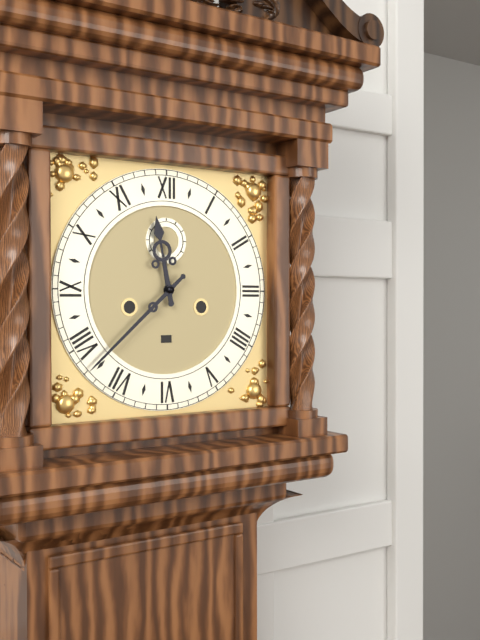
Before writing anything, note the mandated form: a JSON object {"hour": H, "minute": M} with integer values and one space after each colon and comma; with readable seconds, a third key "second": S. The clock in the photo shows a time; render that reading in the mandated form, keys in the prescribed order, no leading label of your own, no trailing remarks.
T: {"hour": 11, "minute": 38}
